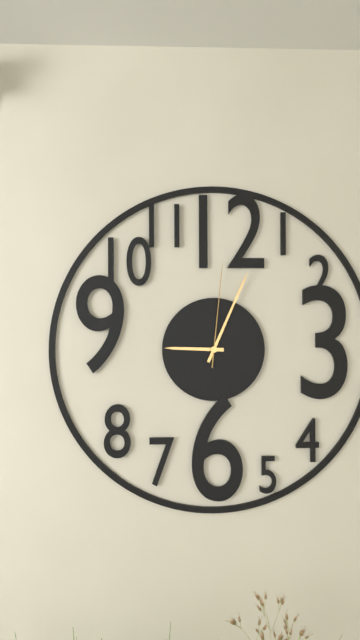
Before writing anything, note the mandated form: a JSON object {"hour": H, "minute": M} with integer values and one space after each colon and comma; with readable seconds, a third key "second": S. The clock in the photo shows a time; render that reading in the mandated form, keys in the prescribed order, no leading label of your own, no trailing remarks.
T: {"hour": 9, "minute": 4, "second": 1}
